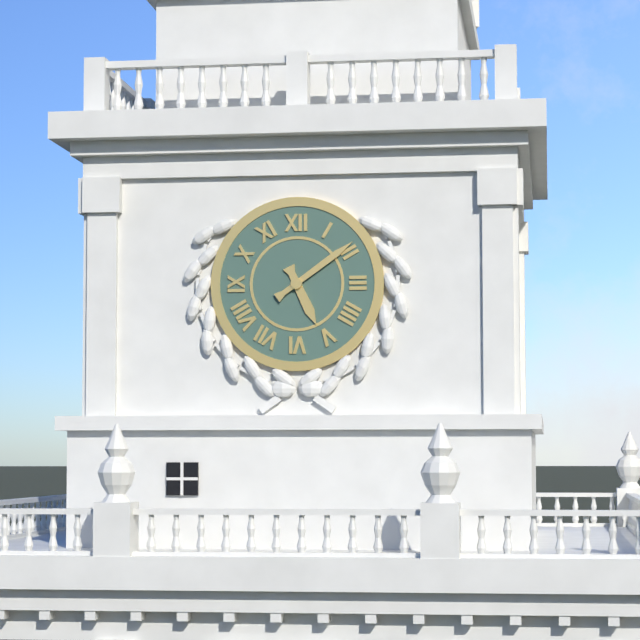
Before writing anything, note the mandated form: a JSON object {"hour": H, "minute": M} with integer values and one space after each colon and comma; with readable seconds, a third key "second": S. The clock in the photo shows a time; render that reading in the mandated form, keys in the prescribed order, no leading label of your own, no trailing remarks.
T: {"hour": 5, "minute": 9}
